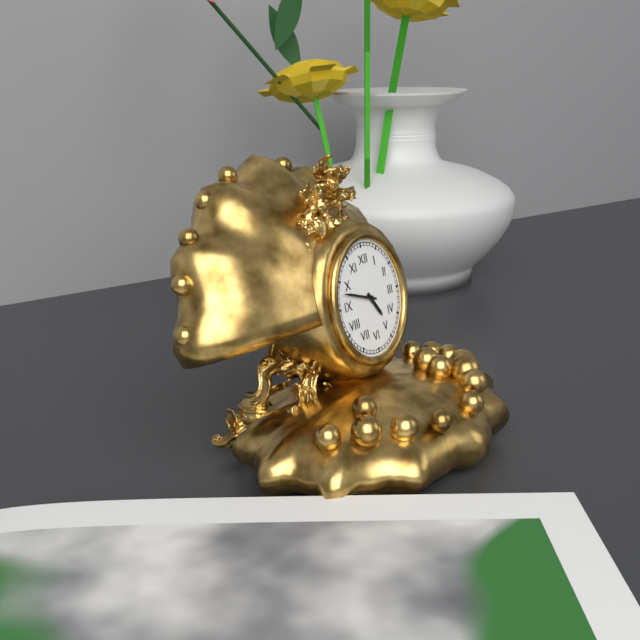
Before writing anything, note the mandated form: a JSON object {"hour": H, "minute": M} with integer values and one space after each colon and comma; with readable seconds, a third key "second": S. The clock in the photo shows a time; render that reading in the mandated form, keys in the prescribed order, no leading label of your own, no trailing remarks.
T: {"hour": 4, "minute": 48}
